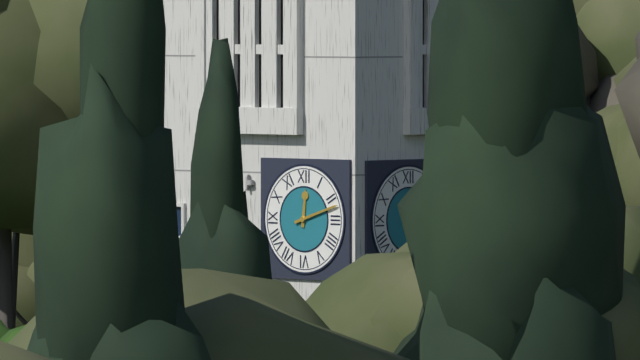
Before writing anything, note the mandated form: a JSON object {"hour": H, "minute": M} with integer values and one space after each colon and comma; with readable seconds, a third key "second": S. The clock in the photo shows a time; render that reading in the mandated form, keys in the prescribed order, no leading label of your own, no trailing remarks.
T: {"hour": 12, "minute": 12}
